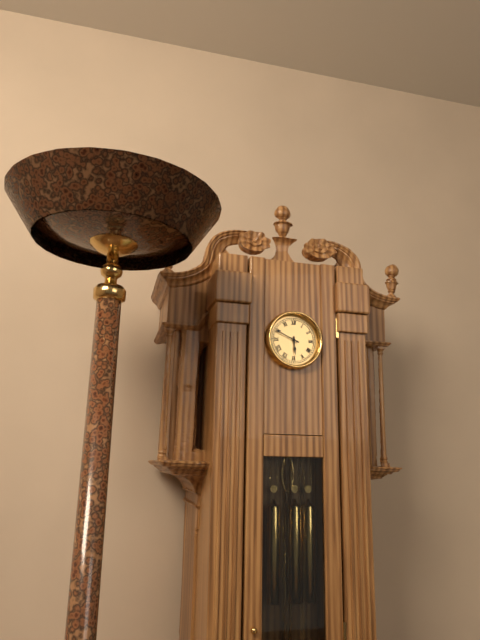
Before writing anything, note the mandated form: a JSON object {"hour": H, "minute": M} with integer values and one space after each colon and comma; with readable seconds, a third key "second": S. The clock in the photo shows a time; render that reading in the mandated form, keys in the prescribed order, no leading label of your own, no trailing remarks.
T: {"hour": 5, "minute": 49}
